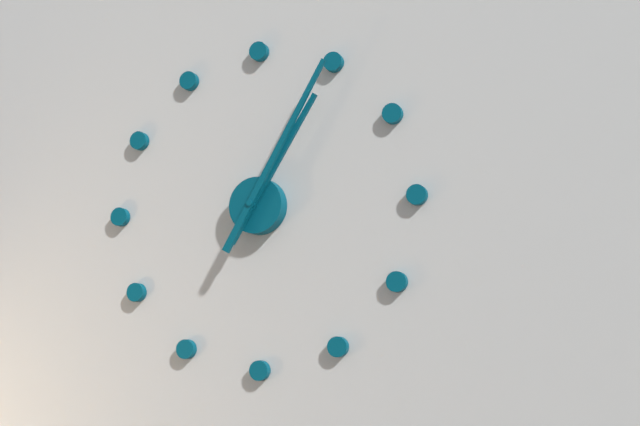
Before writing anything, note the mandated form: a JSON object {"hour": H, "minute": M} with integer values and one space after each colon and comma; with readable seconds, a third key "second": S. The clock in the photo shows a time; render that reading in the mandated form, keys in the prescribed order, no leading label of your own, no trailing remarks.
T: {"hour": 1, "minute": 5}
